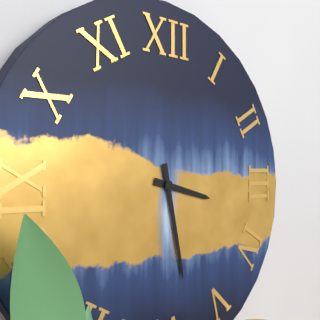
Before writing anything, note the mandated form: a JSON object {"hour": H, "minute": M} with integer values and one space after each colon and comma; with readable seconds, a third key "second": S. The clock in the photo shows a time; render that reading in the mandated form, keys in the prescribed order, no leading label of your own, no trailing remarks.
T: {"hour": 3, "minute": 28}
